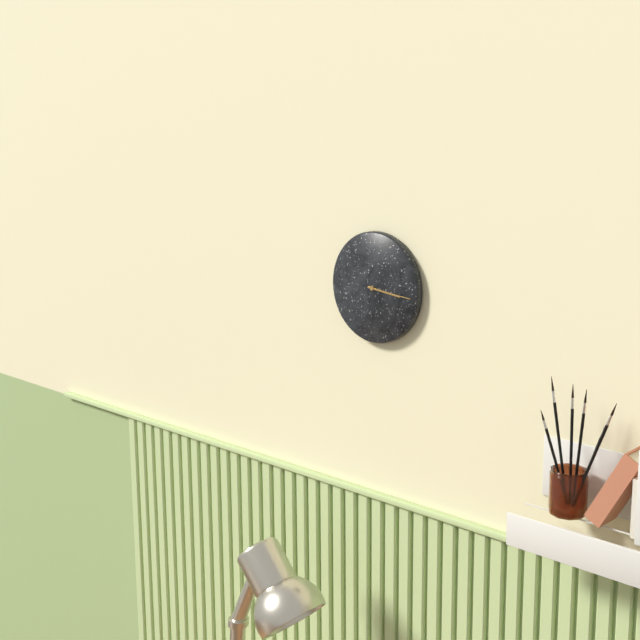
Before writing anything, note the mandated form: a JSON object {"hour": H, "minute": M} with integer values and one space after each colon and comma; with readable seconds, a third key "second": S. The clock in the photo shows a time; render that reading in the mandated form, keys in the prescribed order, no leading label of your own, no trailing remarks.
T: {"hour": 3, "minute": 16}
